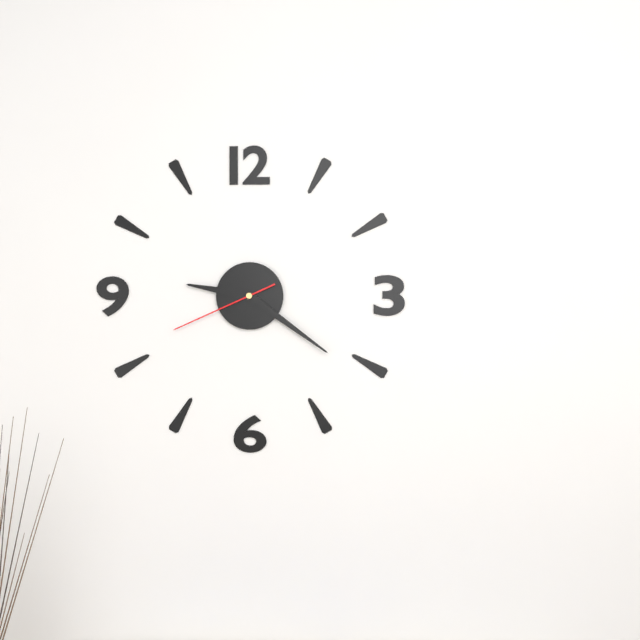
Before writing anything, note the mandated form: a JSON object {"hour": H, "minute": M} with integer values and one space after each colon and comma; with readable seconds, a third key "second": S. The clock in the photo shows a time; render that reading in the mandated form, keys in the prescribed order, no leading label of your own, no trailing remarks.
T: {"hour": 9, "minute": 21, "second": 41}
